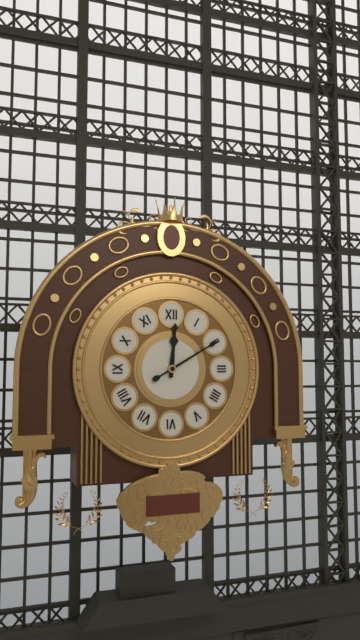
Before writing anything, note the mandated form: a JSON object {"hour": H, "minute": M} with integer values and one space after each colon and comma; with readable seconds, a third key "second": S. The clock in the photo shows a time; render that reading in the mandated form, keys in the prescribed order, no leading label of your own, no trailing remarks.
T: {"hour": 12, "minute": 10}
